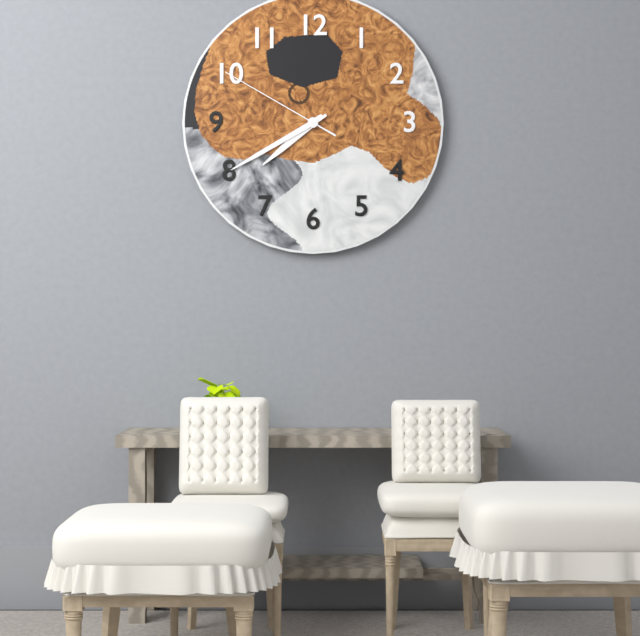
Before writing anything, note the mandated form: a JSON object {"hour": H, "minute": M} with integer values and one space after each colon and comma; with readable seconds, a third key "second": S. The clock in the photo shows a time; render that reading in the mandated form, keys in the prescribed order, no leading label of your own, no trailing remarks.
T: {"hour": 7, "minute": 40, "second": 50}
